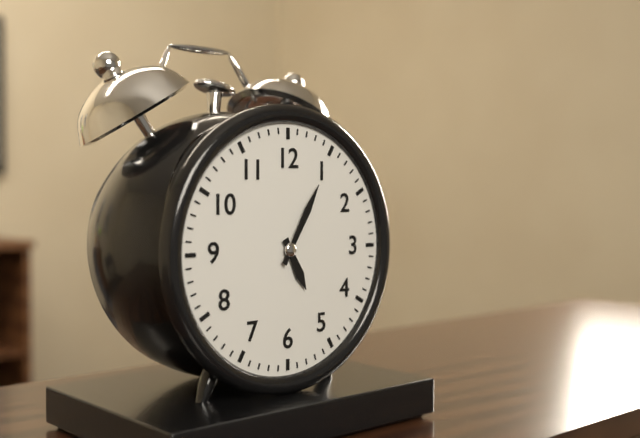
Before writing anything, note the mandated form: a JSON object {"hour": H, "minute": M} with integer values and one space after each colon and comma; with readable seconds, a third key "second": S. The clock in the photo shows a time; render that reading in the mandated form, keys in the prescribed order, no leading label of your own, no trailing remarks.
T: {"hour": 5, "minute": 5}
